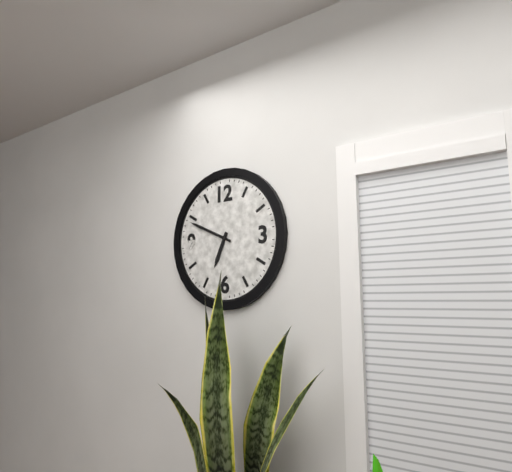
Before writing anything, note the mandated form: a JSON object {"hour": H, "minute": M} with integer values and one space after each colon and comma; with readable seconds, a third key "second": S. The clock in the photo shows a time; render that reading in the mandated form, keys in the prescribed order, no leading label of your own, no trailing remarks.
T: {"hour": 6, "minute": 49}
